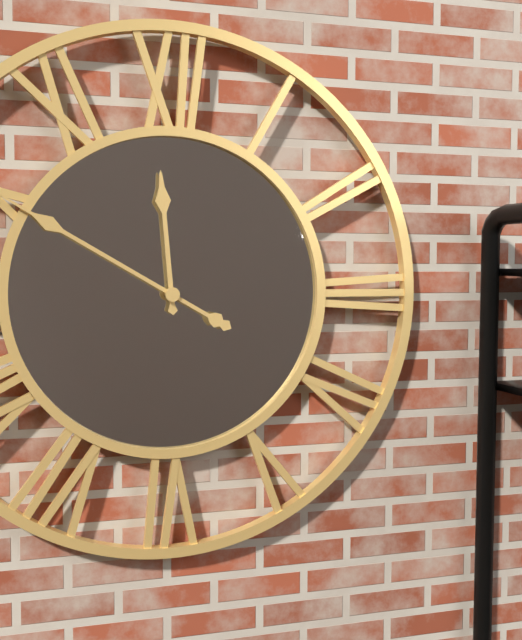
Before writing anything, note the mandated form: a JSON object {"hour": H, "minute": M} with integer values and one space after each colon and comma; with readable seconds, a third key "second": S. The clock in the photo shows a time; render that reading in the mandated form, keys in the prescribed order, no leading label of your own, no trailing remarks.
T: {"hour": 11, "minute": 50}
